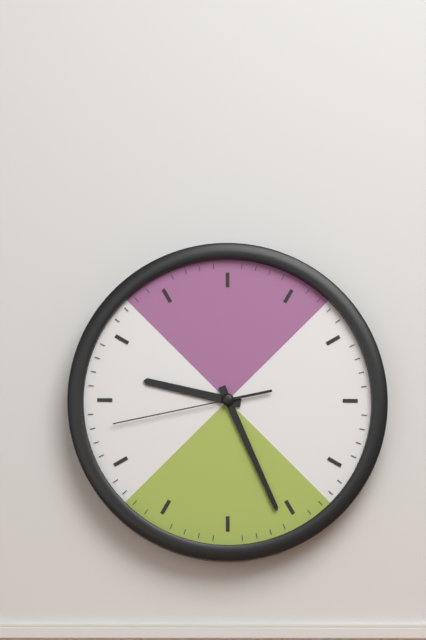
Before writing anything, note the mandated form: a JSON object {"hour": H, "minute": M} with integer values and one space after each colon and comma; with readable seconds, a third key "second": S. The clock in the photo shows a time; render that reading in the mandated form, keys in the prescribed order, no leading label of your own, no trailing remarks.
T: {"hour": 9, "minute": 26, "second": 43}
